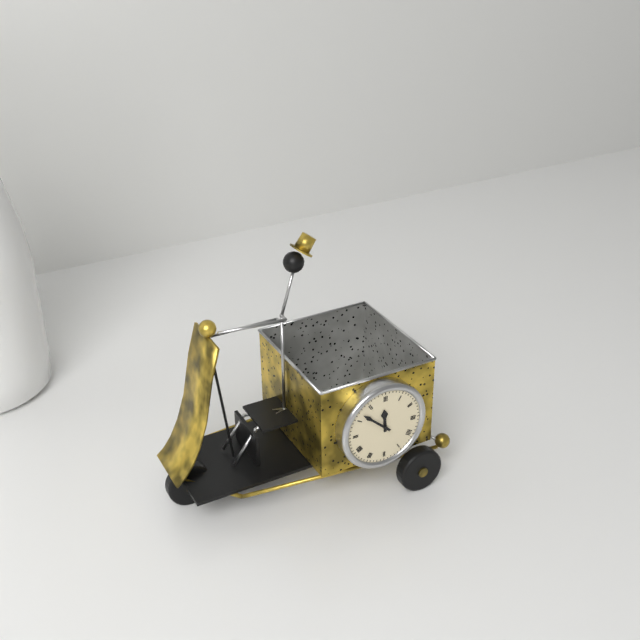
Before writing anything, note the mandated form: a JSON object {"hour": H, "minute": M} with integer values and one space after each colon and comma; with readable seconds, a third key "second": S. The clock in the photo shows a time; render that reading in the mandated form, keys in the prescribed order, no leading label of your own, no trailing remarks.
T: {"hour": 11, "minute": 52}
